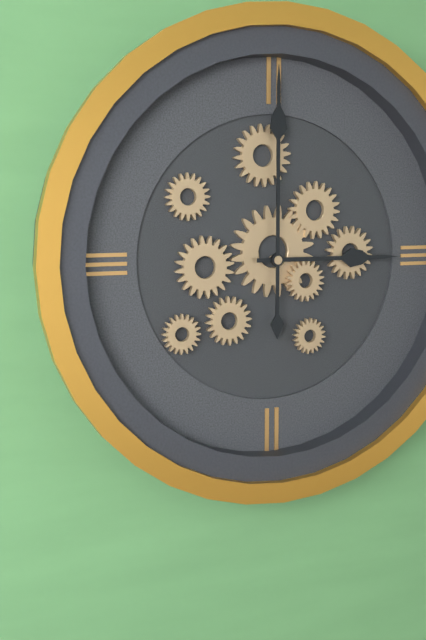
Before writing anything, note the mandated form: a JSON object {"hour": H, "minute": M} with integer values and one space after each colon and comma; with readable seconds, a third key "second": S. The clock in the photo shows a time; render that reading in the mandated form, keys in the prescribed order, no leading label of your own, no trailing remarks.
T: {"hour": 3, "minute": 0}
